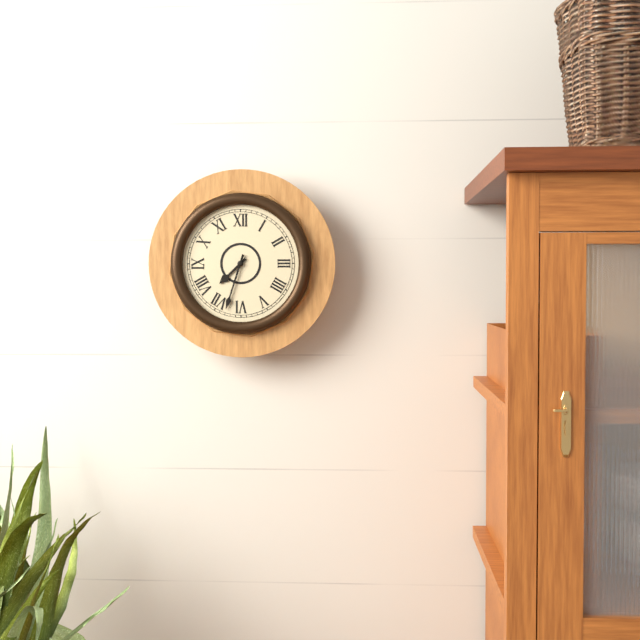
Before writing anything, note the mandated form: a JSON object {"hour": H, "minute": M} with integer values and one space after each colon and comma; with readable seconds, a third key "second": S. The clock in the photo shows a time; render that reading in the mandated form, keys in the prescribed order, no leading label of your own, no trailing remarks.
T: {"hour": 7, "minute": 33}
